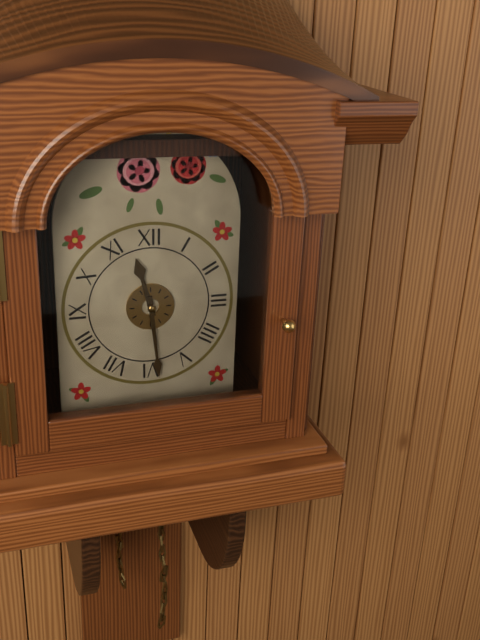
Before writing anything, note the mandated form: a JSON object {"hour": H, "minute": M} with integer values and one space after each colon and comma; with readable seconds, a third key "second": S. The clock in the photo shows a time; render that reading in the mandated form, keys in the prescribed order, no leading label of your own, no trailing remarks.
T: {"hour": 11, "minute": 29}
